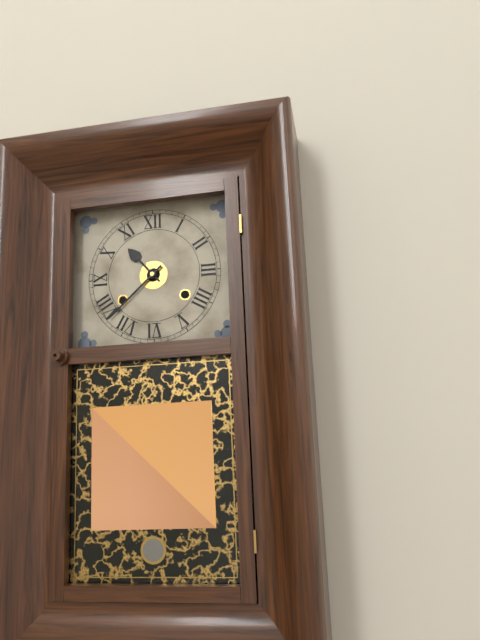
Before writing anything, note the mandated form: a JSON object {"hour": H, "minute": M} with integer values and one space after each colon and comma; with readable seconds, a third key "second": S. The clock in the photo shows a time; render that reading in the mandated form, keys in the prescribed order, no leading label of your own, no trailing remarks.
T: {"hour": 10, "minute": 38}
